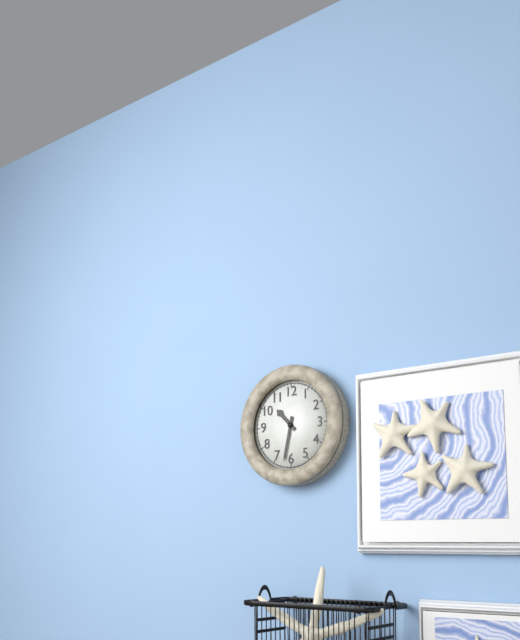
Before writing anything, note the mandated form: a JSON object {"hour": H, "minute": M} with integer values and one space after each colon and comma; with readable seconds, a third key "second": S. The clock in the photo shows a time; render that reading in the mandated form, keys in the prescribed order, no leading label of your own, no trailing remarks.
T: {"hour": 10, "minute": 32}
